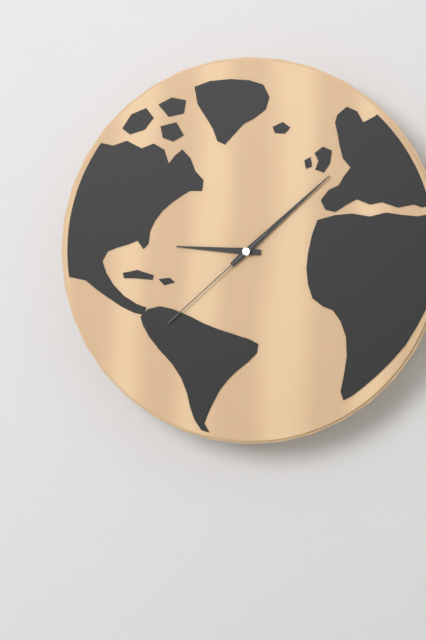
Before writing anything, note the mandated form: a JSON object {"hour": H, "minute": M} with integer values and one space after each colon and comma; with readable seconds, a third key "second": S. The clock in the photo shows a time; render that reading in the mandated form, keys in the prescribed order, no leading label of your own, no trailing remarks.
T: {"hour": 9, "minute": 8, "second": 38}
